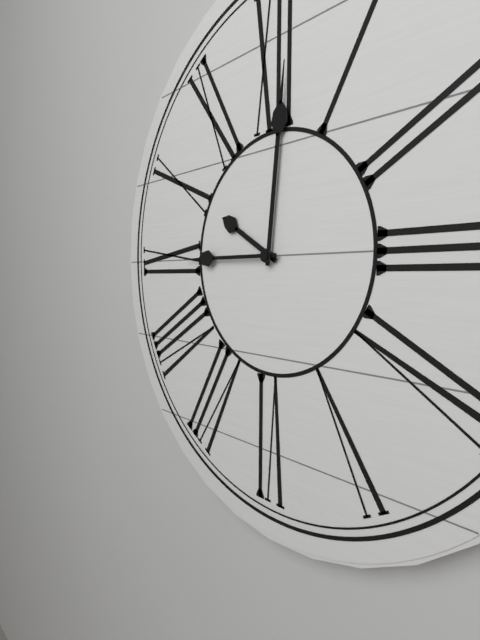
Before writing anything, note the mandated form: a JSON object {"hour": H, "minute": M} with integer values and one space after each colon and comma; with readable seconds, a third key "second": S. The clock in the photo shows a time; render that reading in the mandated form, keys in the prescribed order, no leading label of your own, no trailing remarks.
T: {"hour": 10, "minute": 1, "second": 45}
